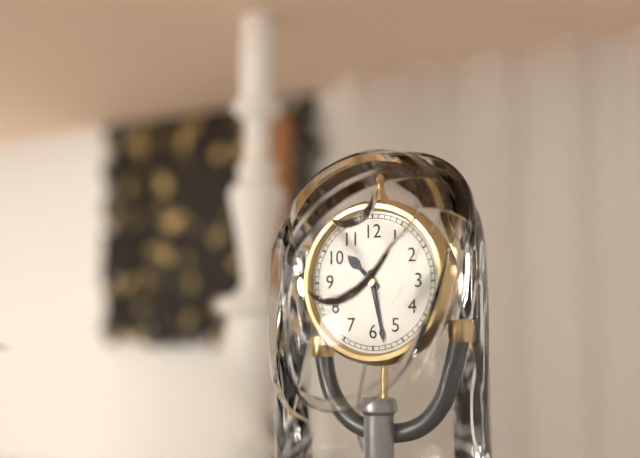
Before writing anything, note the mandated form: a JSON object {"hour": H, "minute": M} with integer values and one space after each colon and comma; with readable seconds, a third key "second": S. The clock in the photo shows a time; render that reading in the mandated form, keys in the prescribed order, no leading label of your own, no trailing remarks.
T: {"hour": 10, "minute": 28}
